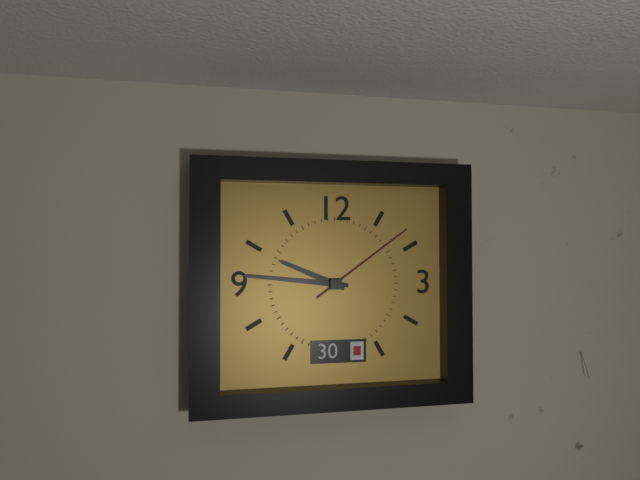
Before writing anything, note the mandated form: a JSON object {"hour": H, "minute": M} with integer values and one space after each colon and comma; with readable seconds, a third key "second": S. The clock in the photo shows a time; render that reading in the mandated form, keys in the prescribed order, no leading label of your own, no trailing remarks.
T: {"hour": 9, "minute": 46, "second": 9}
